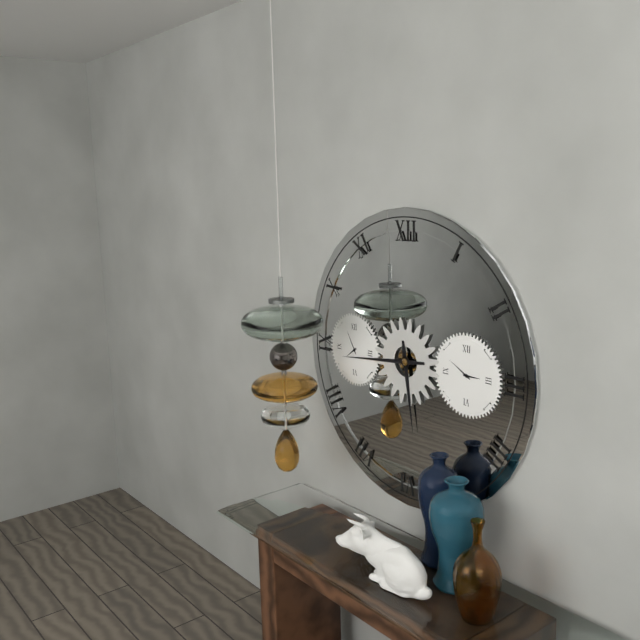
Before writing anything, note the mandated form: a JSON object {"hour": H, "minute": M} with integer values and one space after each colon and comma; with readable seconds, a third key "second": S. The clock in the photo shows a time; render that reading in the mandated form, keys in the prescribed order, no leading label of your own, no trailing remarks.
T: {"hour": 5, "minute": 44}
